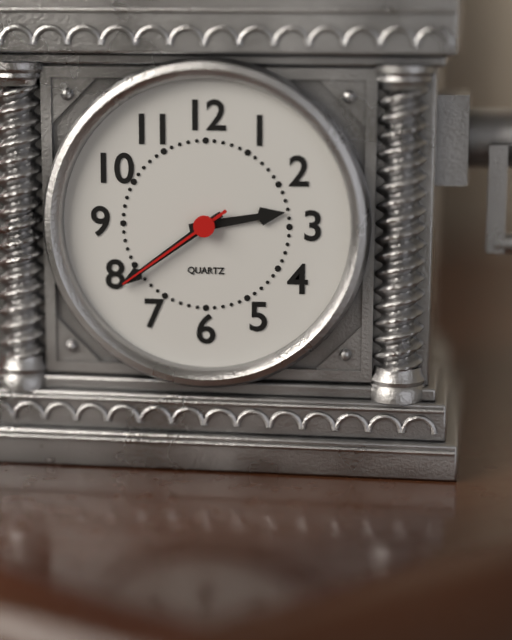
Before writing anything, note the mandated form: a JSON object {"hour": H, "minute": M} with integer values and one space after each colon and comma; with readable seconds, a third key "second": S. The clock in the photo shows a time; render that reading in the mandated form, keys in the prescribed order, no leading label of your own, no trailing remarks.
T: {"hour": 2, "minute": 39, "second": 39}
